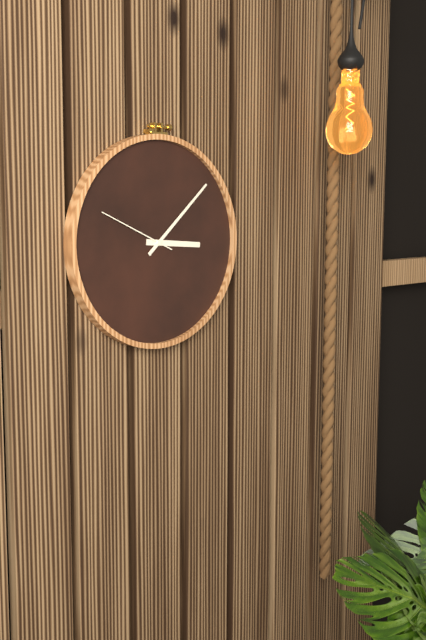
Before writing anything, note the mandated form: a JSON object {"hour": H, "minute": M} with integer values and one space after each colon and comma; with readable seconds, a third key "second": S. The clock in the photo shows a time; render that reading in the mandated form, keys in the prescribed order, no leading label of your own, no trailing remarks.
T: {"hour": 3, "minute": 8, "second": 49}
